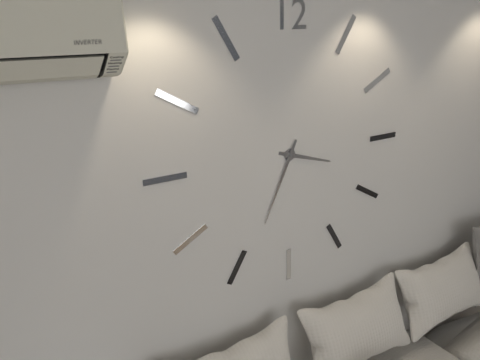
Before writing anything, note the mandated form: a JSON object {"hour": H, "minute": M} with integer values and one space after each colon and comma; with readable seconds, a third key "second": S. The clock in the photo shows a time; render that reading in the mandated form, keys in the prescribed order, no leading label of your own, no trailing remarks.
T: {"hour": 3, "minute": 34}
